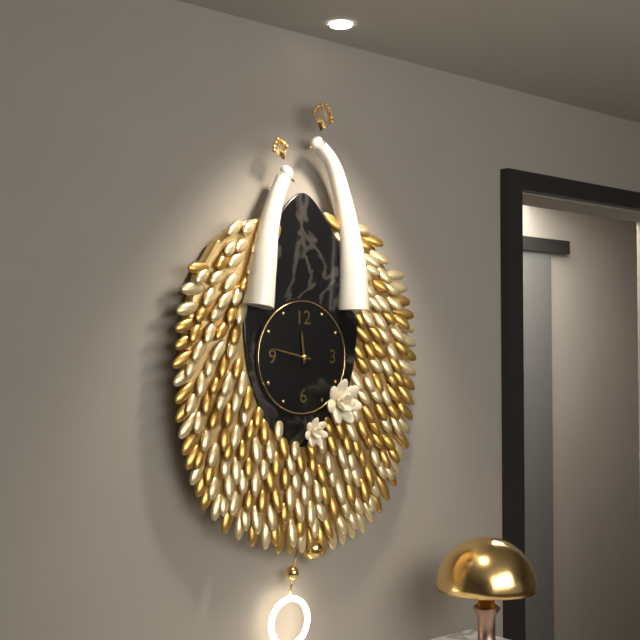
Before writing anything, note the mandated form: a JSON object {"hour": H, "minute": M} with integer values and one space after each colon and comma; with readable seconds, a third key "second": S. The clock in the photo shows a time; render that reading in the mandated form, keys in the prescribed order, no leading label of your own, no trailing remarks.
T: {"hour": 11, "minute": 47}
